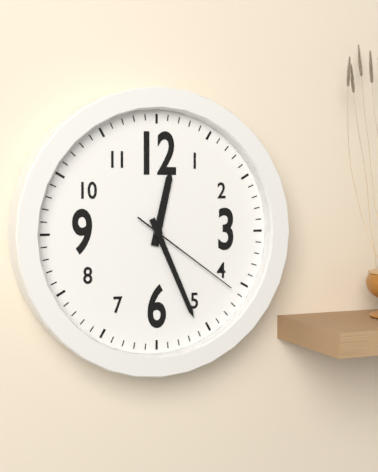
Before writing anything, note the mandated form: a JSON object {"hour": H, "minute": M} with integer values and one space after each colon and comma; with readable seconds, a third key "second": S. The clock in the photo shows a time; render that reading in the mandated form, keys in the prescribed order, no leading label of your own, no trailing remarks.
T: {"hour": 12, "minute": 26, "second": 21}
